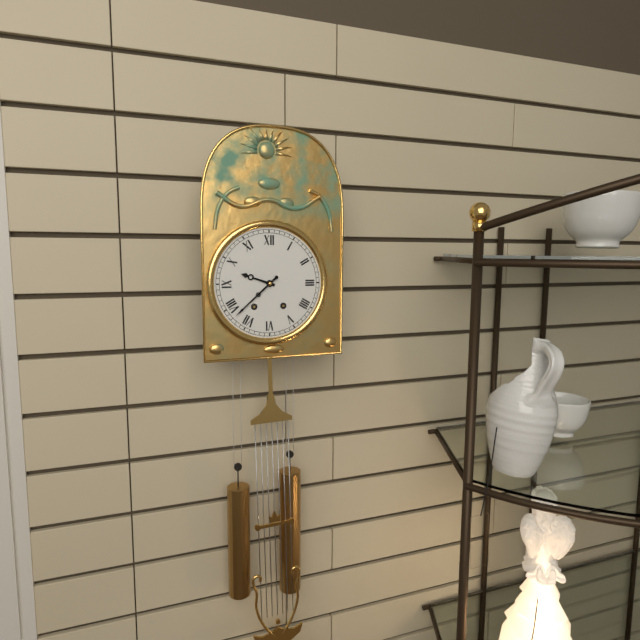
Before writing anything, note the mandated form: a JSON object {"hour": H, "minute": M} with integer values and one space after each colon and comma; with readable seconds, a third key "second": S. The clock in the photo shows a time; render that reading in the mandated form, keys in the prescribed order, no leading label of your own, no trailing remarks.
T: {"hour": 9, "minute": 38}
